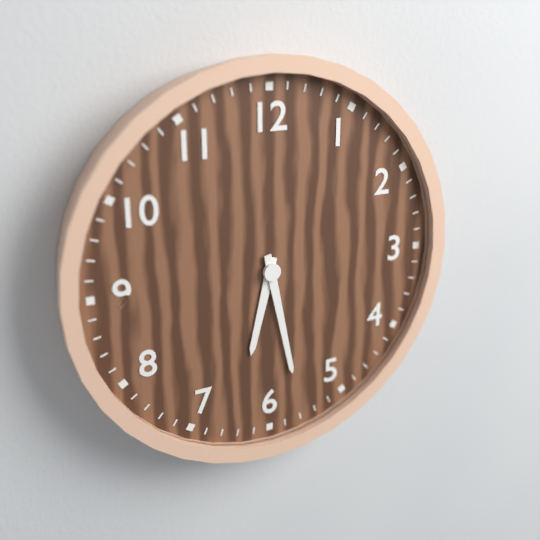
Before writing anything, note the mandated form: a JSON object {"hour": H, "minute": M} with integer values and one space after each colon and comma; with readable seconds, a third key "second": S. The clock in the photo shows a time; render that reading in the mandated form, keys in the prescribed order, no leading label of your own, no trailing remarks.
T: {"hour": 6, "minute": 28}
